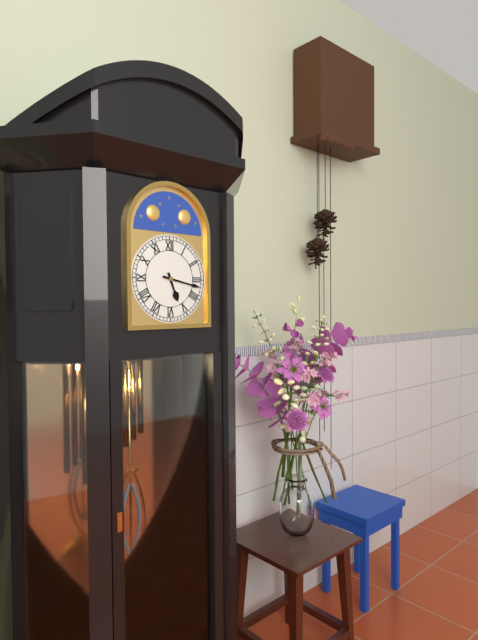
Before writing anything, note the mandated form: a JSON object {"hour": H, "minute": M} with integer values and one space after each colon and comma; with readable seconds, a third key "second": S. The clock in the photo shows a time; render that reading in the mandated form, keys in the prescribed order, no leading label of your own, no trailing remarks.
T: {"hour": 5, "minute": 17}
